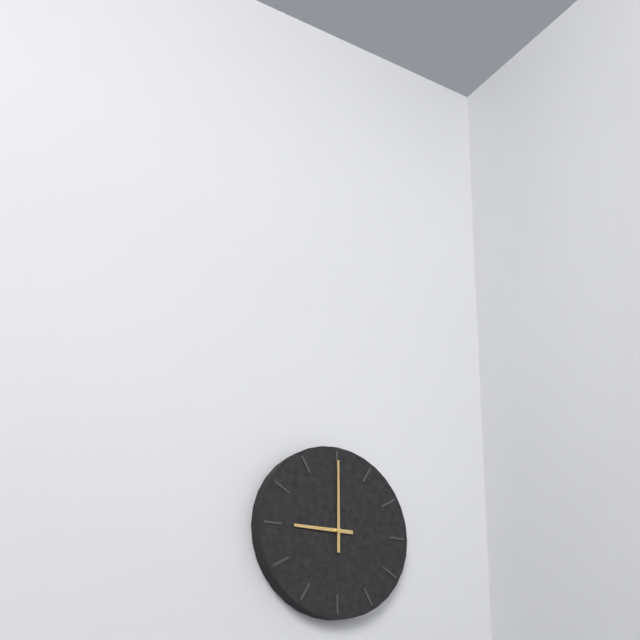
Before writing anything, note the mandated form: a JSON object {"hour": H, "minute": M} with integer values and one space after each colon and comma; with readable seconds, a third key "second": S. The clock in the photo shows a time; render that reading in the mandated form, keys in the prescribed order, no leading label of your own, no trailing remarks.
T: {"hour": 9, "minute": 0}
